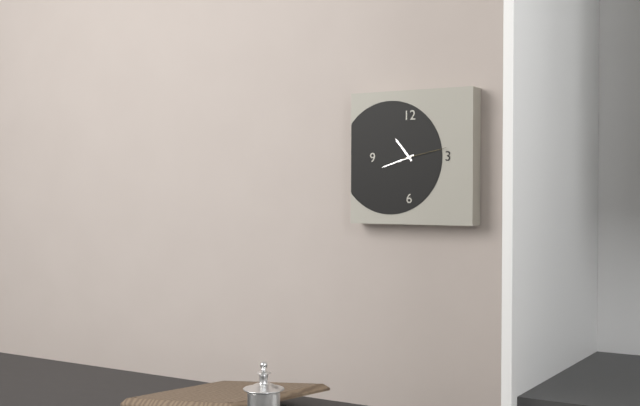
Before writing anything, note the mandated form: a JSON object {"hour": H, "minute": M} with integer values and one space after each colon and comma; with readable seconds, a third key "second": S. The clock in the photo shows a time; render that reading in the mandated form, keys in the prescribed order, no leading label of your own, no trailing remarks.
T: {"hour": 10, "minute": 42}
